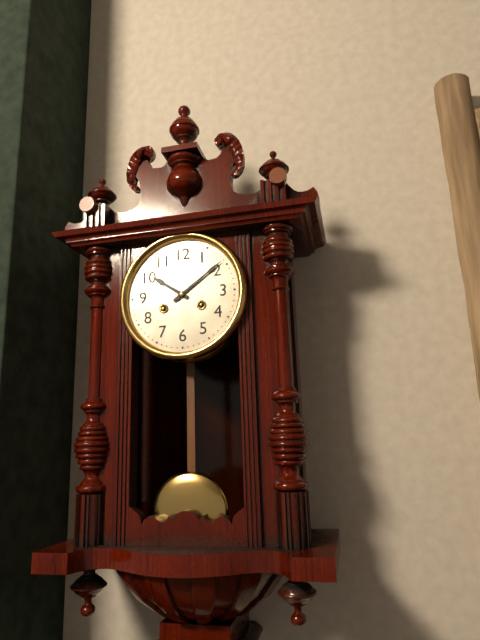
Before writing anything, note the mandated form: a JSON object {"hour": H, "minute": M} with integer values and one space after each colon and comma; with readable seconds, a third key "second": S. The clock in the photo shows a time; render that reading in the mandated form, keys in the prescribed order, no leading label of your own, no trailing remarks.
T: {"hour": 10, "minute": 9}
